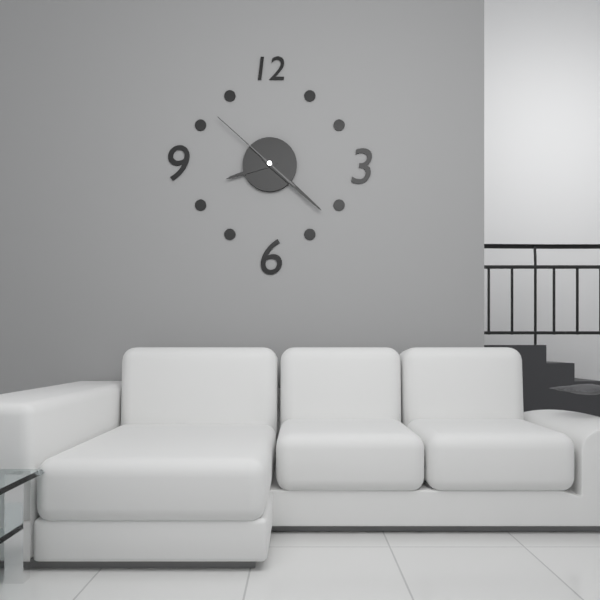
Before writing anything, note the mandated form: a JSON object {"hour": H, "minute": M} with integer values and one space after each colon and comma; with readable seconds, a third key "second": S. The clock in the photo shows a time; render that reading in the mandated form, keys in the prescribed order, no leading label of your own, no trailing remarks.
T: {"hour": 8, "minute": 22, "second": 52}
